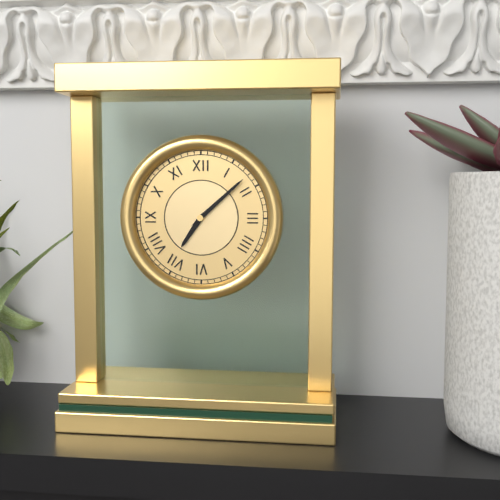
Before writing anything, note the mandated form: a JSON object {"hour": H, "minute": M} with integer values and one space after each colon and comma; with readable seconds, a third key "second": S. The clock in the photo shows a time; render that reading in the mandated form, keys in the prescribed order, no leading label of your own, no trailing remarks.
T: {"hour": 7, "minute": 8}
